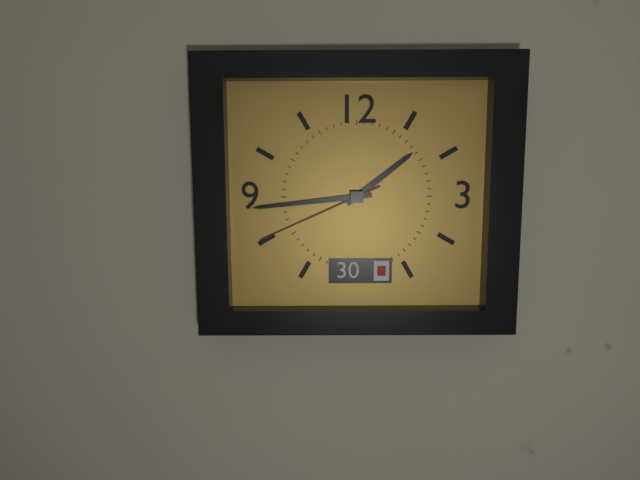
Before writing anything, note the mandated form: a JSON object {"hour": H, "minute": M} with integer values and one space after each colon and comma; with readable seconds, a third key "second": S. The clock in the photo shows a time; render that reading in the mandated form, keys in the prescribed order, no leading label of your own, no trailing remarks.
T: {"hour": 1, "minute": 44, "second": 41}
